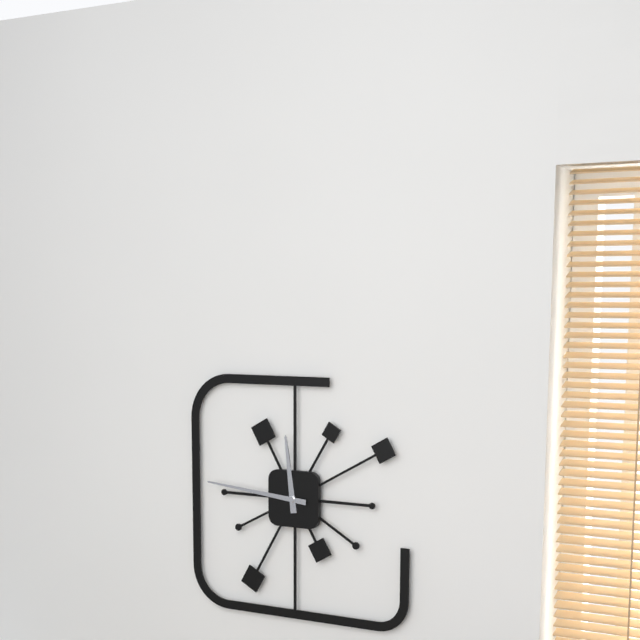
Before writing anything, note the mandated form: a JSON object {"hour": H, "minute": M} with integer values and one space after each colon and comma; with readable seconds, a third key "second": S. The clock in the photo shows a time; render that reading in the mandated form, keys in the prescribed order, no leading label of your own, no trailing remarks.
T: {"hour": 11, "minute": 46}
